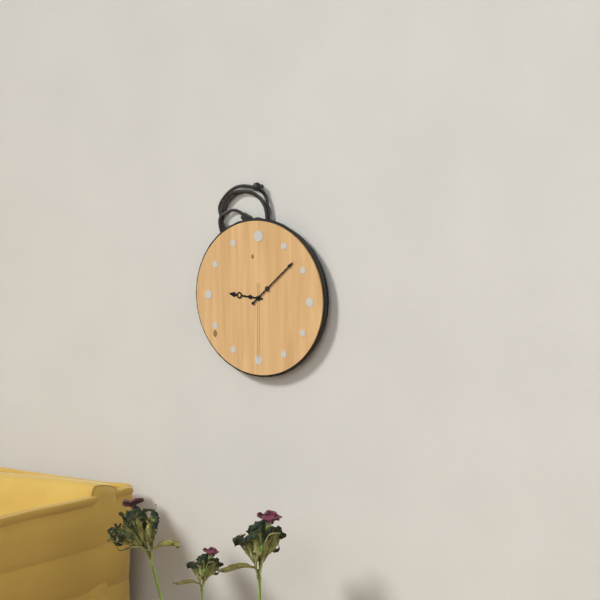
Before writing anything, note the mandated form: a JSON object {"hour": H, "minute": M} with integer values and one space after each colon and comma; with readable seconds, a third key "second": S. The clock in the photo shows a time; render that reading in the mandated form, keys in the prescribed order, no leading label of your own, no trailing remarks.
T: {"hour": 9, "minute": 8, "second": 30}
